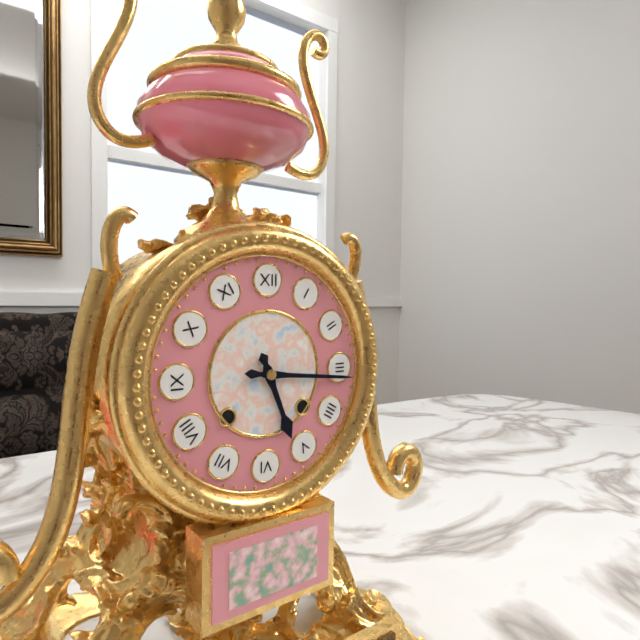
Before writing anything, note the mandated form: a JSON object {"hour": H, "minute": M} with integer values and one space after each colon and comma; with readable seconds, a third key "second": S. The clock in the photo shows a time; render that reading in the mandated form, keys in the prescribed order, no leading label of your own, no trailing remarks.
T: {"hour": 5, "minute": 16}
